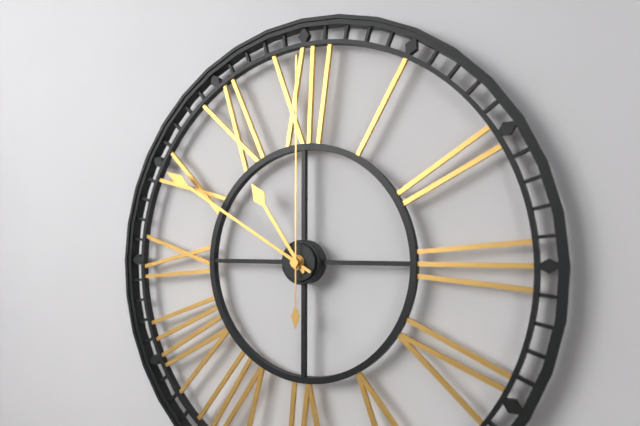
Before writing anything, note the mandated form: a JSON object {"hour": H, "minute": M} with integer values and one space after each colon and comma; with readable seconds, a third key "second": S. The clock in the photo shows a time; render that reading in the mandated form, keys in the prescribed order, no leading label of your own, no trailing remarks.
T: {"hour": 10, "minute": 50, "second": 0}
